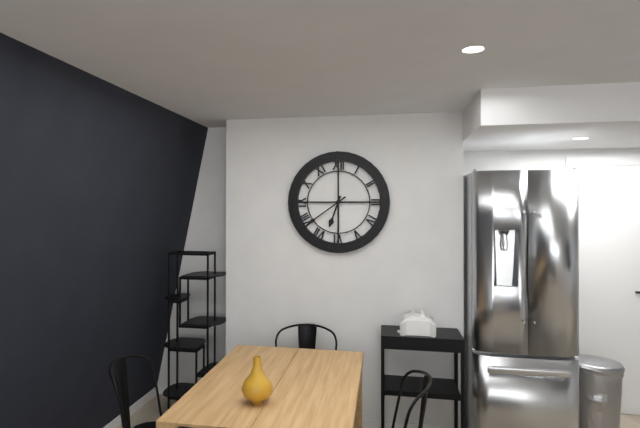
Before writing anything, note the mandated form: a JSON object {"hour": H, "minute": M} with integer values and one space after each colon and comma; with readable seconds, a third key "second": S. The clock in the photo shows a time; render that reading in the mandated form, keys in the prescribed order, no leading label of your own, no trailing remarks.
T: {"hour": 6, "minute": 39}
